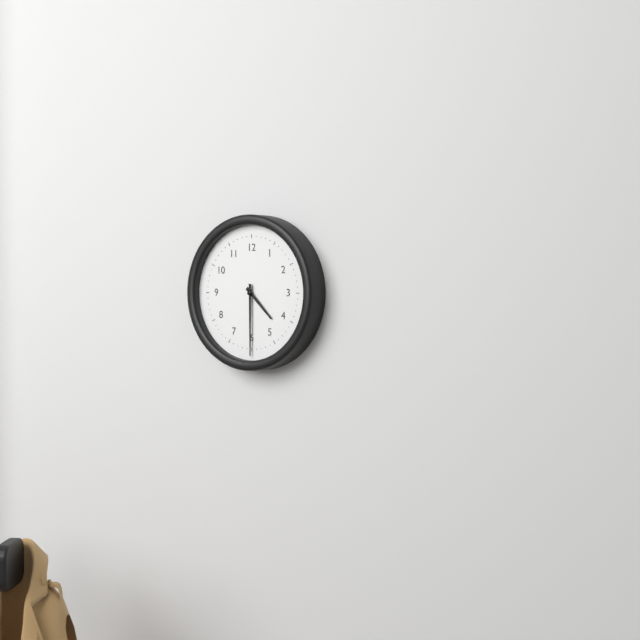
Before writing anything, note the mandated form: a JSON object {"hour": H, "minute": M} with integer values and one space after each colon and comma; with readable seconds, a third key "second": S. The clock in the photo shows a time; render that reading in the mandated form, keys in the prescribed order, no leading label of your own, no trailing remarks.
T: {"hour": 4, "minute": 30}
